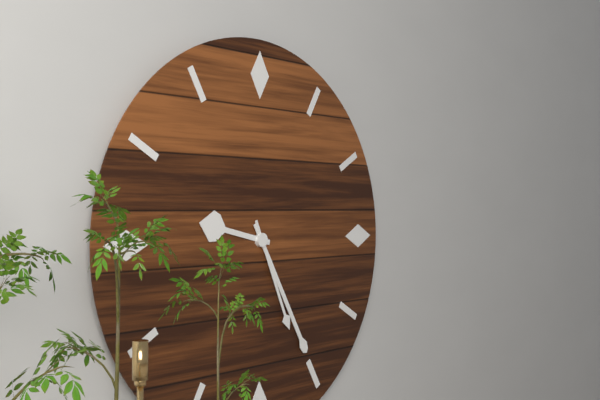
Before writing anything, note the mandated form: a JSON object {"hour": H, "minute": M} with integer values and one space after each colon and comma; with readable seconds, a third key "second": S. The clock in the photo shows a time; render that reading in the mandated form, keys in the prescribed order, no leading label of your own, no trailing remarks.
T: {"hour": 9, "minute": 25, "second": 26}
